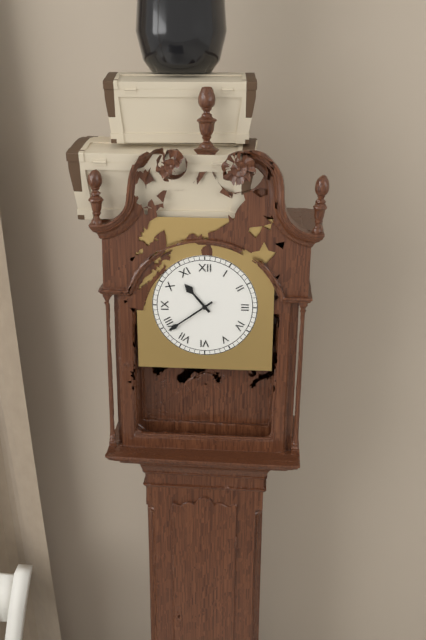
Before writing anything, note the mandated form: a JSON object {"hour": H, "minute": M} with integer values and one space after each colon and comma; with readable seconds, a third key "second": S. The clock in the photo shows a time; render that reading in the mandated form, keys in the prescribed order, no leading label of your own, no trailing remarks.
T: {"hour": 10, "minute": 39}
